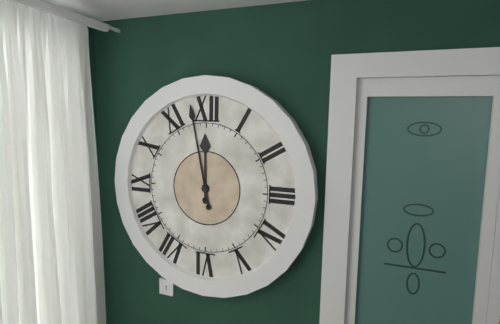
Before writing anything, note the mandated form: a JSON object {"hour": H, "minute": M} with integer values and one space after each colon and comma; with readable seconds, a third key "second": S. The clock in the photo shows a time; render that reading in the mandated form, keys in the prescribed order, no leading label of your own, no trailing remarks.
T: {"hour": 11, "minute": 58}
